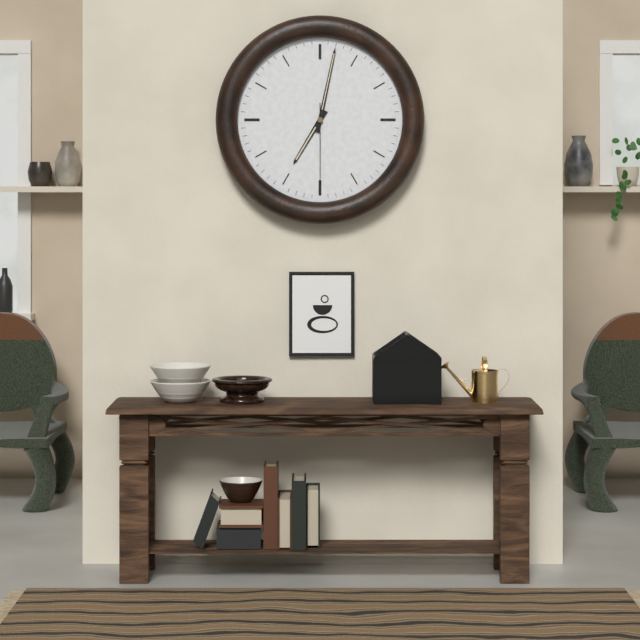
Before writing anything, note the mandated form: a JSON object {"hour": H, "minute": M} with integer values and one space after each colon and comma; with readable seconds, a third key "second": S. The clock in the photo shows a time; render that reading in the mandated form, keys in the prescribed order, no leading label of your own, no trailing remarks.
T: {"hour": 7, "minute": 2, "second": 30}
